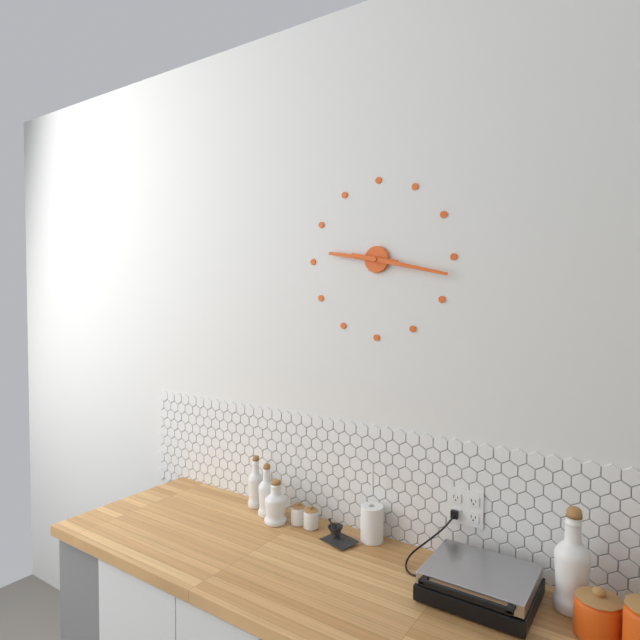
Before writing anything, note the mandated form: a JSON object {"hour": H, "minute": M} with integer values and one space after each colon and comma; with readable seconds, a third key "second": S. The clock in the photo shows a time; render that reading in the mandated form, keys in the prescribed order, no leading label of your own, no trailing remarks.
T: {"hour": 9, "minute": 17}
